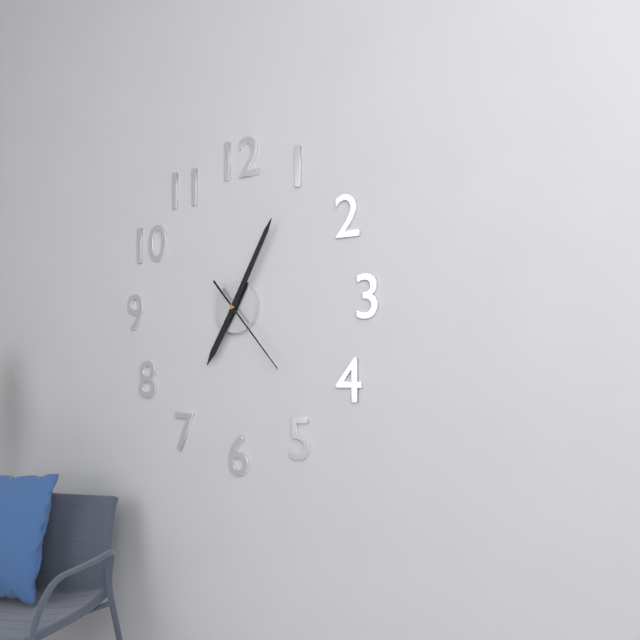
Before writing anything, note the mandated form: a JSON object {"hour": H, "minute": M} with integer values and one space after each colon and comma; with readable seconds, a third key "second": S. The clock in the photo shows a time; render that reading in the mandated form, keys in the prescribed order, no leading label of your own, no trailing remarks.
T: {"hour": 7, "minute": 5, "second": 23}
